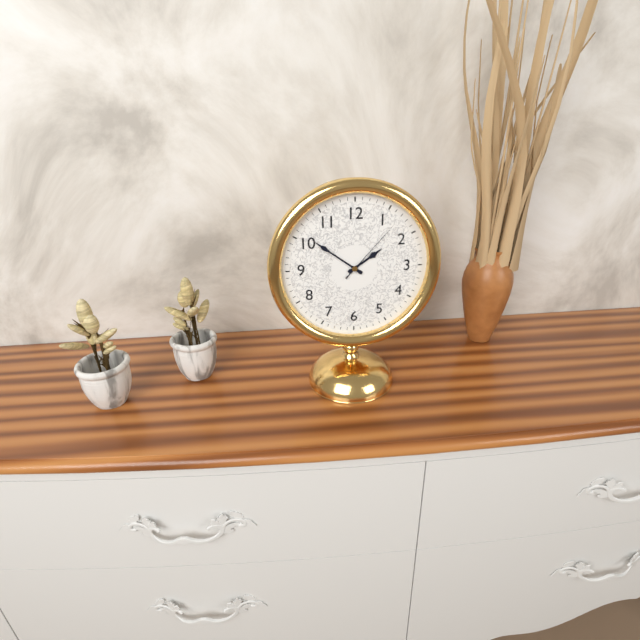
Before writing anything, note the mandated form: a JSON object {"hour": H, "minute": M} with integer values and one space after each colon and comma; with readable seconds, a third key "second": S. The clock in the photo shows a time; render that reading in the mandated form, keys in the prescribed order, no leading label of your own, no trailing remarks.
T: {"hour": 1, "minute": 51, "second": 7}
